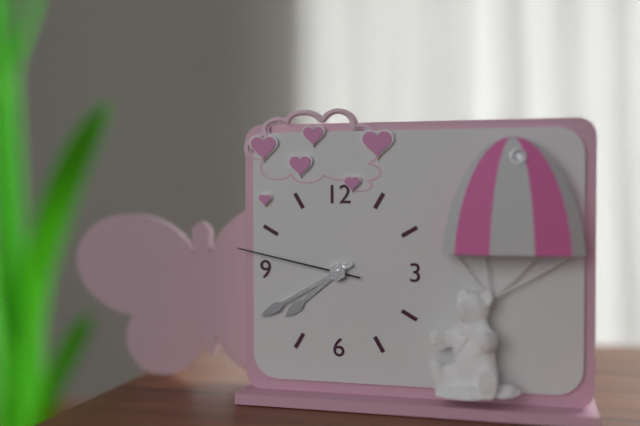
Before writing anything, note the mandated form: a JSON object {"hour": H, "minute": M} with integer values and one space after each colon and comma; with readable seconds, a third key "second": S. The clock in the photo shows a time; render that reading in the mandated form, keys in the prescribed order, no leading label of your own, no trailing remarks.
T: {"hour": 7, "minute": 40, "second": 47}
